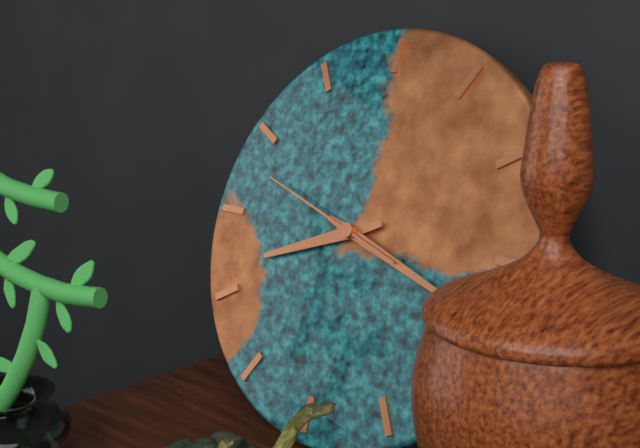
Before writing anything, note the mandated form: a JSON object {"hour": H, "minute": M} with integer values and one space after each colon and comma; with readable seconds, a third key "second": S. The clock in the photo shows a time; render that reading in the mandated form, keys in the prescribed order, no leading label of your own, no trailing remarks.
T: {"hour": 8, "minute": 18, "second": 48}
